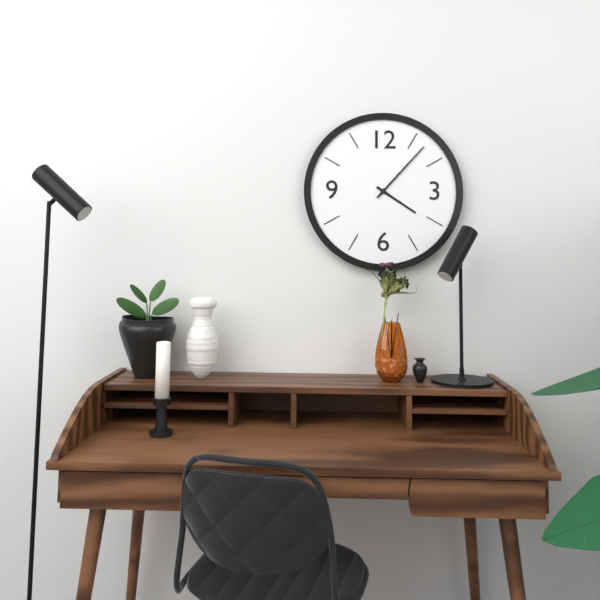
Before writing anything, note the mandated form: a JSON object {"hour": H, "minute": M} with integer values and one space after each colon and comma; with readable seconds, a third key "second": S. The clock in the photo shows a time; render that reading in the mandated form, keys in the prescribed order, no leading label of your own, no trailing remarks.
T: {"hour": 4, "minute": 7}
